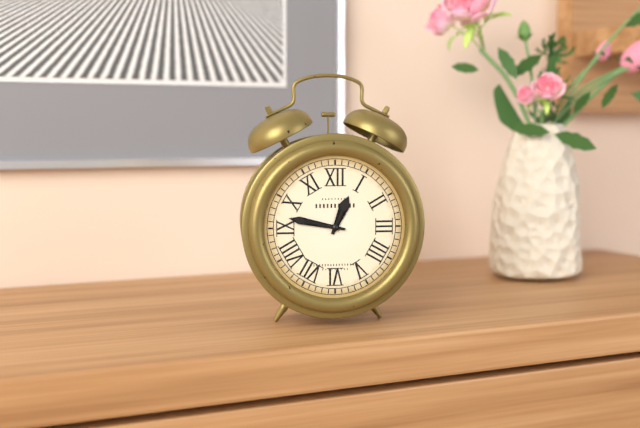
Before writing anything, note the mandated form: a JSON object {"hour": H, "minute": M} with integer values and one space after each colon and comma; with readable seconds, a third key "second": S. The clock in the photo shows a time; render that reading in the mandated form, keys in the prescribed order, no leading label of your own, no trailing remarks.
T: {"hour": 12, "minute": 47}
